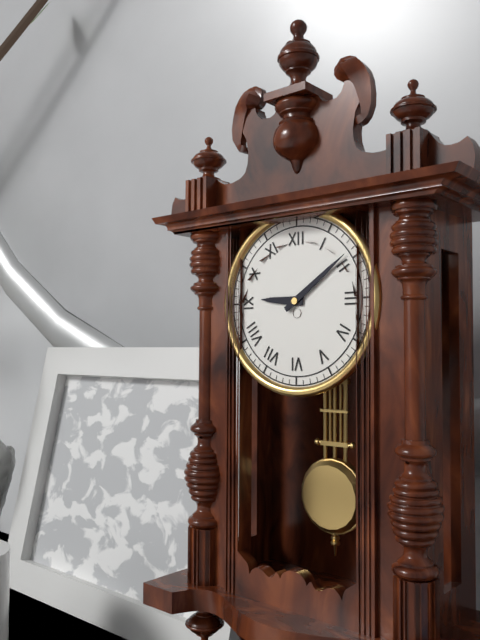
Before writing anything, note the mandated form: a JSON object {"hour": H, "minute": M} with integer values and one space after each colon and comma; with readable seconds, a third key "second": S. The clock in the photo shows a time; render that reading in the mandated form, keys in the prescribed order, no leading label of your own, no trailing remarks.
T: {"hour": 9, "minute": 9}
